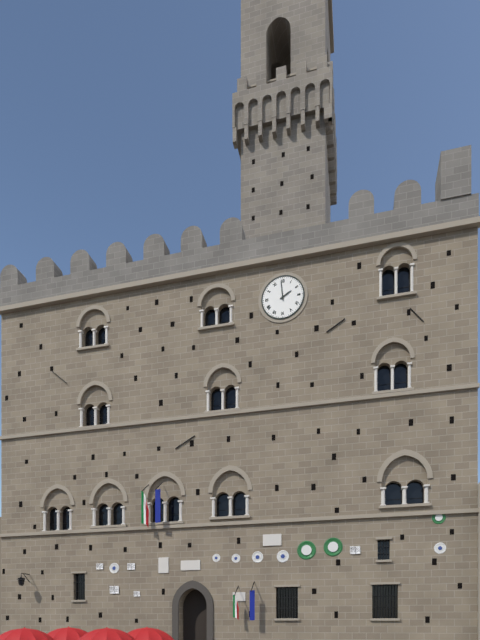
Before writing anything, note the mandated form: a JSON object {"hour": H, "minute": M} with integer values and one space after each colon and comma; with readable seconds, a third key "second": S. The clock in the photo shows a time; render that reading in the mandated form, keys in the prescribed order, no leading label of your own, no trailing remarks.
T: {"hour": 1, "minute": 59}
